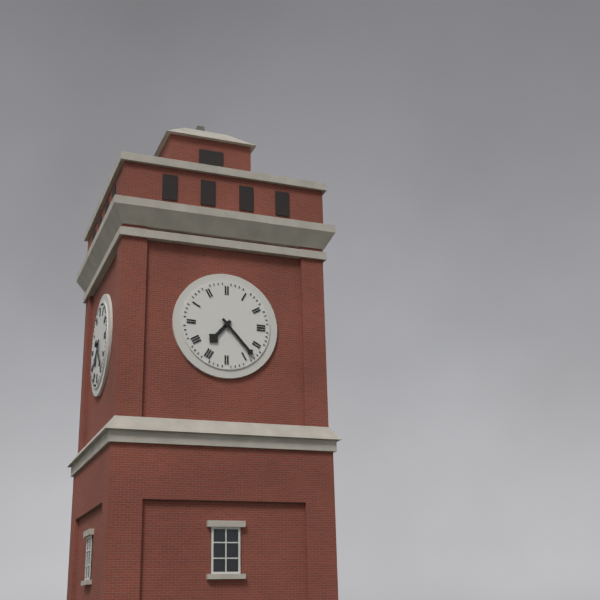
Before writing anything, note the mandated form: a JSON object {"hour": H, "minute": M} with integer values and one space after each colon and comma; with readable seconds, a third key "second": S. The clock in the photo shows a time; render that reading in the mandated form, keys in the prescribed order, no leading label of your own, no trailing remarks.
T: {"hour": 7, "minute": 23}
